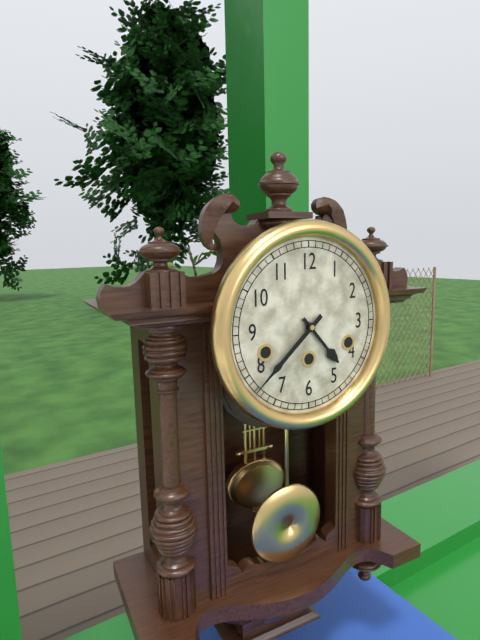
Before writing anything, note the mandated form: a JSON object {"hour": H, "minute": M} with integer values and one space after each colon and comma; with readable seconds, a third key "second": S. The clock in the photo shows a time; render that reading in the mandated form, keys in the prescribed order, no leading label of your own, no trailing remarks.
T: {"hour": 4, "minute": 38}
